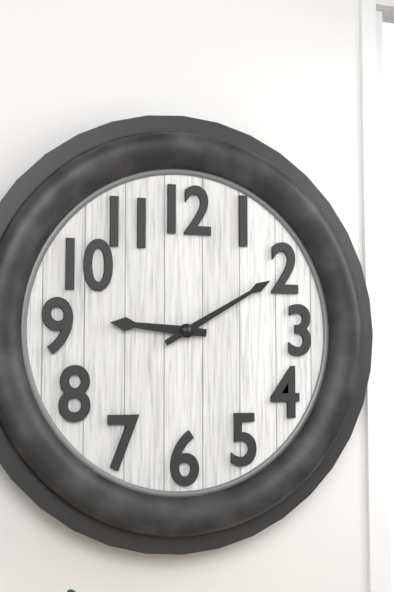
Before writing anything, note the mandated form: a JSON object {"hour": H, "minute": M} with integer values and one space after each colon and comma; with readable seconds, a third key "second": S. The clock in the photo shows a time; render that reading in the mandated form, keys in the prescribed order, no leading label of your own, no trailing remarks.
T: {"hour": 9, "minute": 10}
